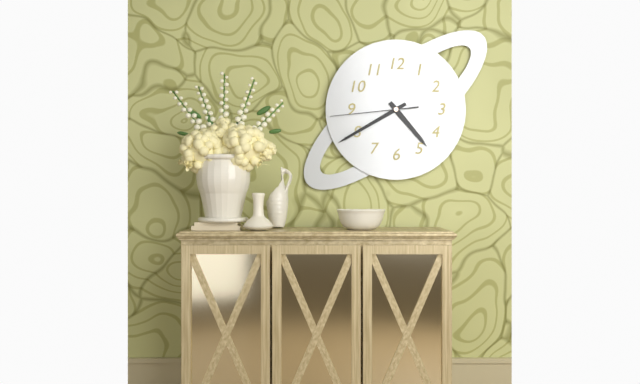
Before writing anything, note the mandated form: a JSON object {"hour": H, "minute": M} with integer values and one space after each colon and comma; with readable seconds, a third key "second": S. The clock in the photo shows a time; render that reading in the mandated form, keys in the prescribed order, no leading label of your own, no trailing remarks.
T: {"hour": 4, "minute": 40, "second": 44}
